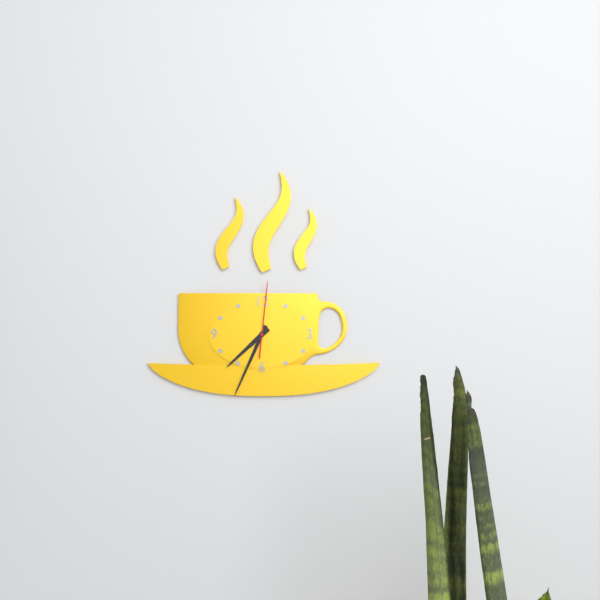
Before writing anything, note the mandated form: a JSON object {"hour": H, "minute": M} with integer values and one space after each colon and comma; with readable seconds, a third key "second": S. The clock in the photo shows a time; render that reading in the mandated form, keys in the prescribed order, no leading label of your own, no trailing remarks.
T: {"hour": 7, "minute": 34, "second": 1}
